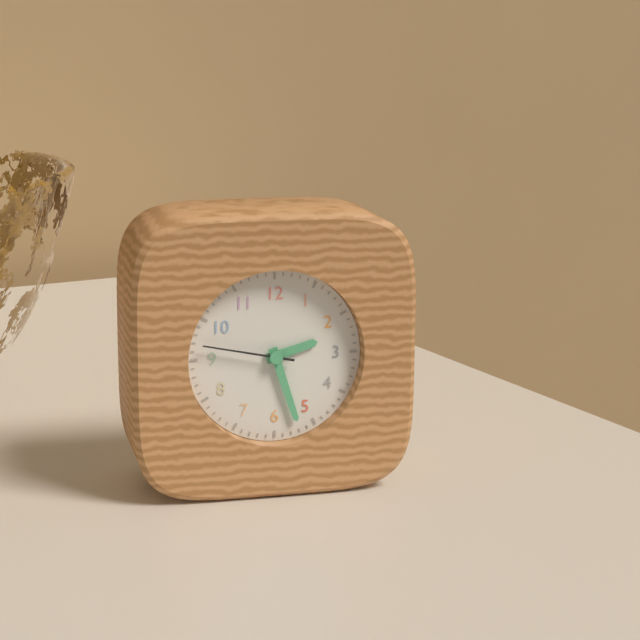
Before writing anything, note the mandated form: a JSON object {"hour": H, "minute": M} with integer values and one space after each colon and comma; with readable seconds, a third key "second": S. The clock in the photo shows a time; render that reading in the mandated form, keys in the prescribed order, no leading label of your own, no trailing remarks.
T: {"hour": 2, "minute": 27, "second": 47}
